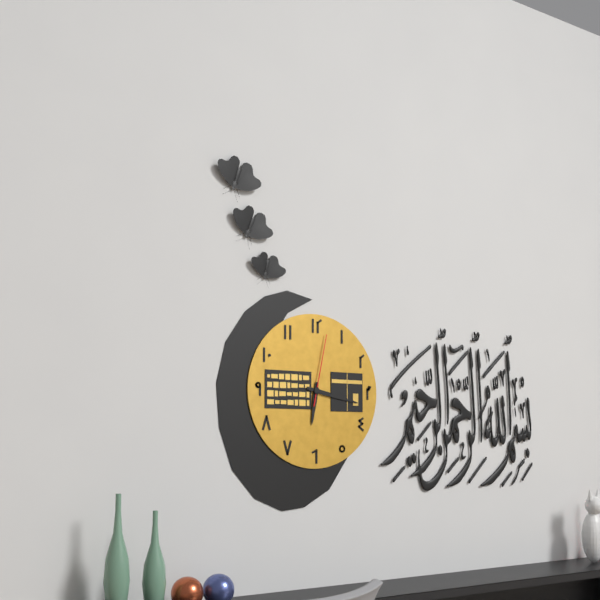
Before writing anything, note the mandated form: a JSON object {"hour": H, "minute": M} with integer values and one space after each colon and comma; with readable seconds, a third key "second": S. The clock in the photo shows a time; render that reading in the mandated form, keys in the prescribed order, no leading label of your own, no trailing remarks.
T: {"hour": 6, "minute": 17, "second": 2}
